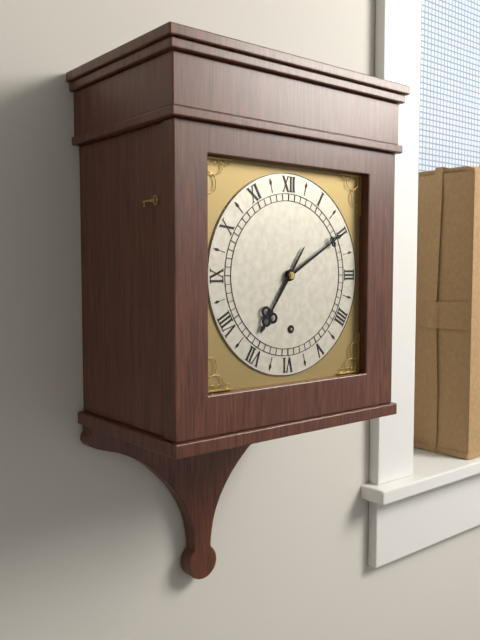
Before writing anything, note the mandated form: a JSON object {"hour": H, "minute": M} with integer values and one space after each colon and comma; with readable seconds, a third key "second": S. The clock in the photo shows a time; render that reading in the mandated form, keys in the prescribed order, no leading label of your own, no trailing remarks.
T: {"hour": 7, "minute": 10}
